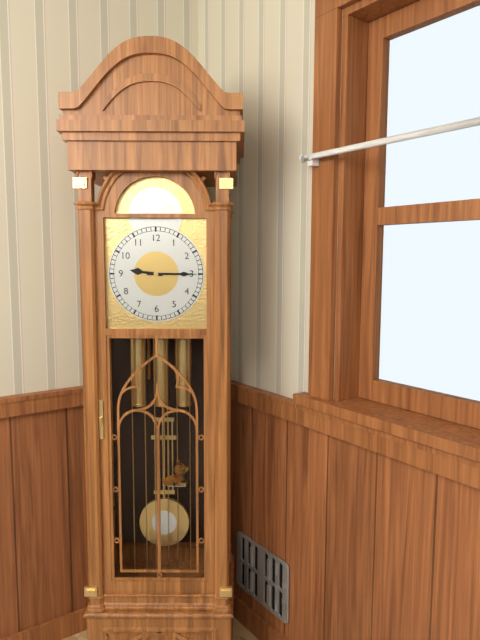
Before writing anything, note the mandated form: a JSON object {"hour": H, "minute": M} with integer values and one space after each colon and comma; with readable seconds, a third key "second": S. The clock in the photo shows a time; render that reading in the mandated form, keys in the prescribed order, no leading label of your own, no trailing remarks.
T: {"hour": 9, "minute": 15}
